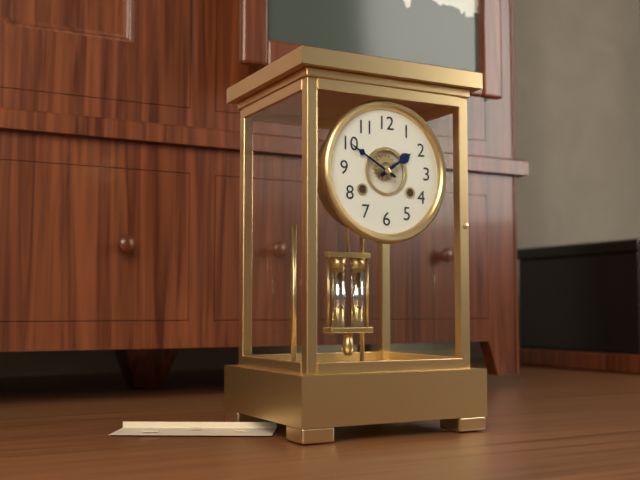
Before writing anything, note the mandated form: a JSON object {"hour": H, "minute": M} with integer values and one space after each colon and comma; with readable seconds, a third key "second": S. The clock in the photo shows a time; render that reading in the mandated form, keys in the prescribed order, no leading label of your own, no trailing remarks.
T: {"hour": 1, "minute": 50}
